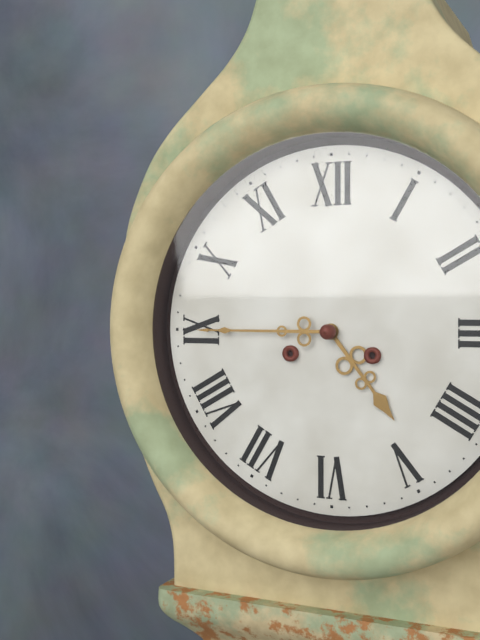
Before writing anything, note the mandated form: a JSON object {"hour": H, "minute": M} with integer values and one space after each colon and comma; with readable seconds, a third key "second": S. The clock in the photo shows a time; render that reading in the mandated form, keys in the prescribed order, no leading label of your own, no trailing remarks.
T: {"hour": 4, "minute": 45}
